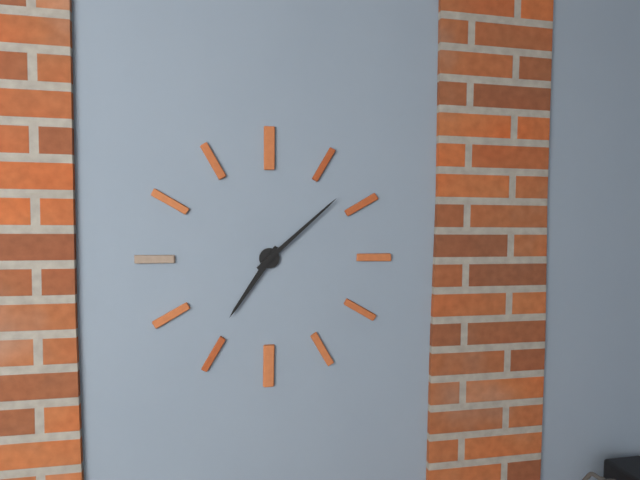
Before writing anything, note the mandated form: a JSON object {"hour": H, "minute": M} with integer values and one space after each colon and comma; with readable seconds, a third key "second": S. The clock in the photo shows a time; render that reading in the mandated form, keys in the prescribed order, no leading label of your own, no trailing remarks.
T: {"hour": 7, "minute": 8}
